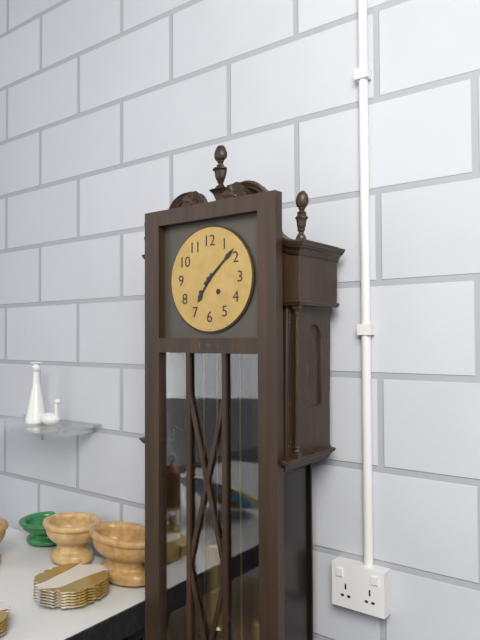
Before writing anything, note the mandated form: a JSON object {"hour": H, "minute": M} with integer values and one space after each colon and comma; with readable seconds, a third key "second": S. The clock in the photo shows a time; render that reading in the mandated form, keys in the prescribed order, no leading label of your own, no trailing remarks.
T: {"hour": 7, "minute": 8}
